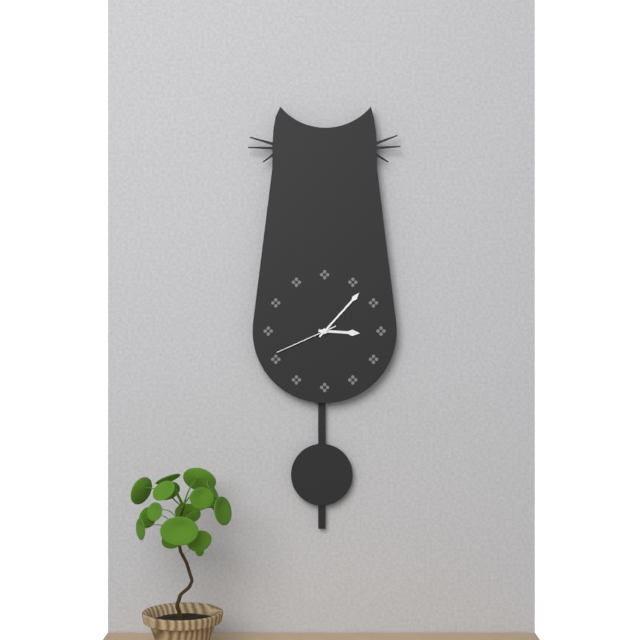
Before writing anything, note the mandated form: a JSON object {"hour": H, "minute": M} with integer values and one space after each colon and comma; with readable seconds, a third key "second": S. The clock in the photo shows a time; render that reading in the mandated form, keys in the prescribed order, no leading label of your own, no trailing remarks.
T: {"hour": 3, "minute": 7, "second": 41}
